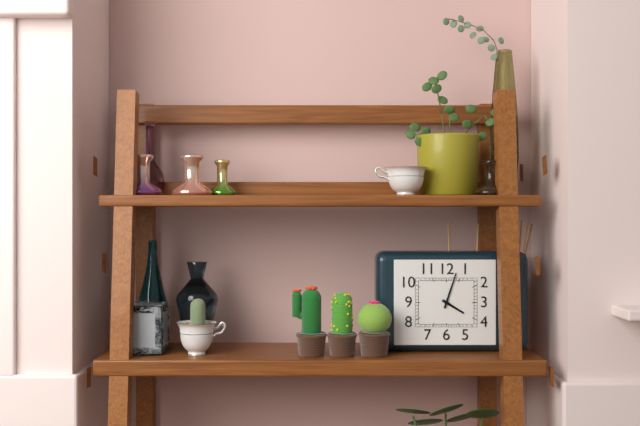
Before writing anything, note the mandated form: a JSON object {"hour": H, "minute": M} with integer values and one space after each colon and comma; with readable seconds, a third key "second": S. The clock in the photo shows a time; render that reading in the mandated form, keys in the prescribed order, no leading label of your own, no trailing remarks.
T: {"hour": 4, "minute": 3}
